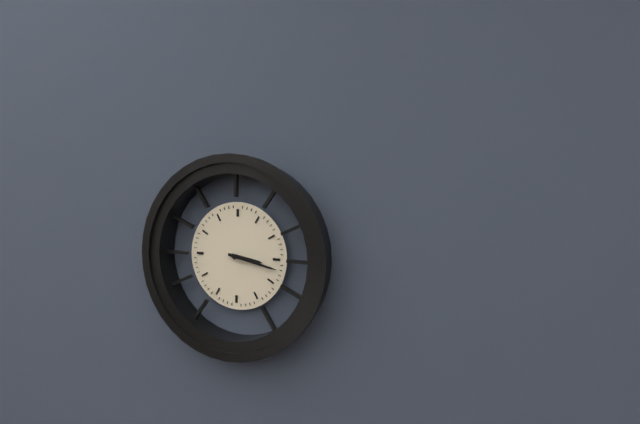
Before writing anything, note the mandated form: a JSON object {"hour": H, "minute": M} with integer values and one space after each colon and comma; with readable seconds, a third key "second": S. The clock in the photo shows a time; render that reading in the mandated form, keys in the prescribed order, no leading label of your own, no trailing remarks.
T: {"hour": 3, "minute": 17}
